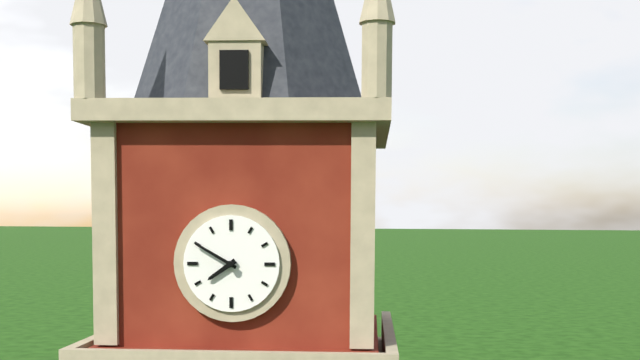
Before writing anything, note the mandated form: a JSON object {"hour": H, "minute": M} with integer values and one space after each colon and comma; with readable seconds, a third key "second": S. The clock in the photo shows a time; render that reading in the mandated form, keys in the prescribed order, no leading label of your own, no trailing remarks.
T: {"hour": 7, "minute": 50}
